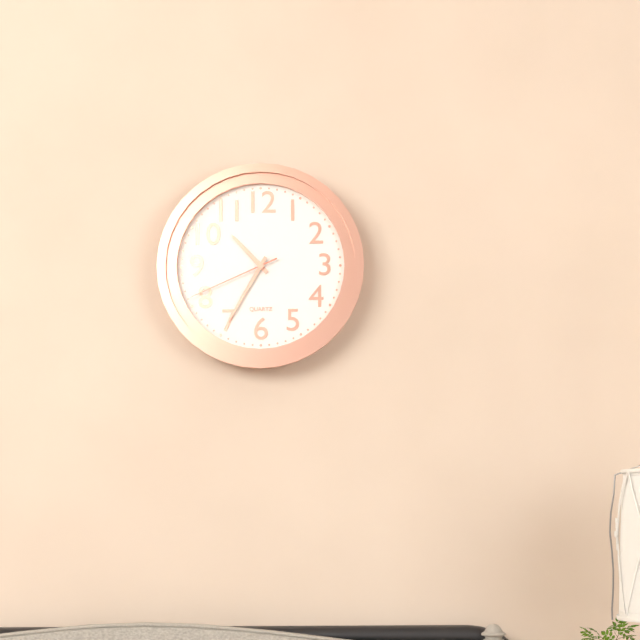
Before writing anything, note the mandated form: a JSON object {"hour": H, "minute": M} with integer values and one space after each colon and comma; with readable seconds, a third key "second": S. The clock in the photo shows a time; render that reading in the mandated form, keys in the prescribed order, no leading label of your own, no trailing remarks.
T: {"hour": 10, "minute": 35, "second": 41}
